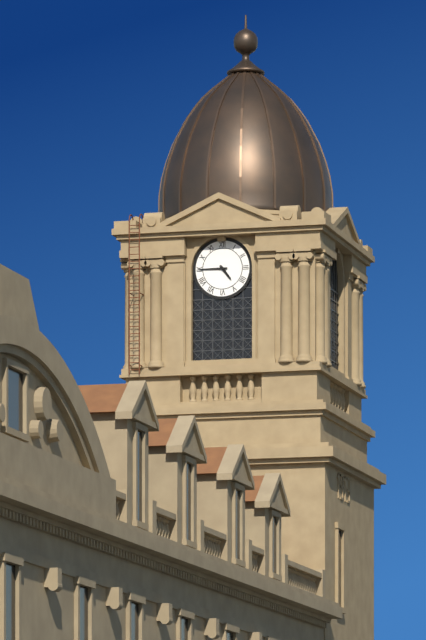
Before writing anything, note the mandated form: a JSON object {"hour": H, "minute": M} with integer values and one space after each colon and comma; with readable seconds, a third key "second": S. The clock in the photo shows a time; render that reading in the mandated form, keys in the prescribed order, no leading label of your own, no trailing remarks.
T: {"hour": 4, "minute": 45}
